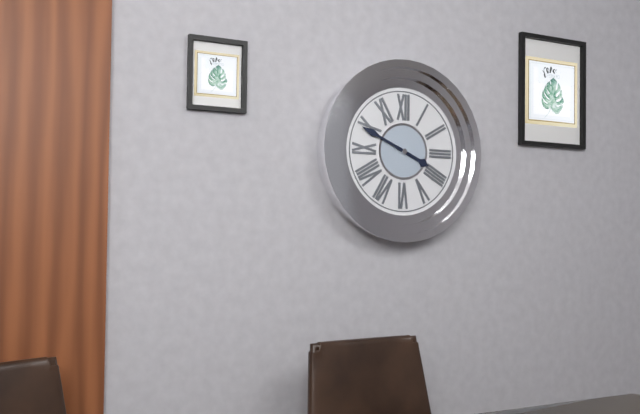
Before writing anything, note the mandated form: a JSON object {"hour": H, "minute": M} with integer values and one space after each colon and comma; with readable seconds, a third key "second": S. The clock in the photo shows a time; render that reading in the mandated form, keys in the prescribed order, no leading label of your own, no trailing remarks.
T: {"hour": 3, "minute": 49}
